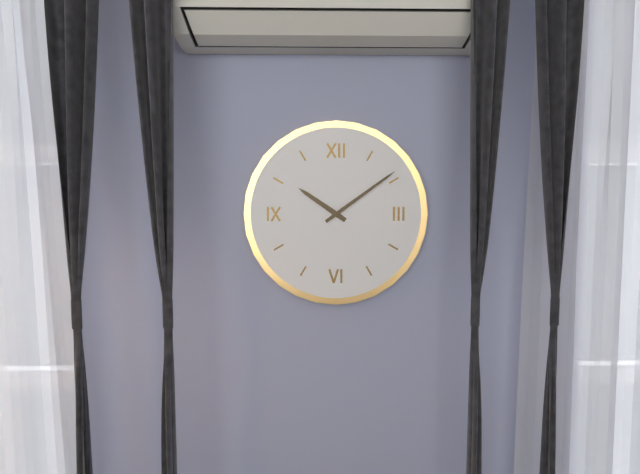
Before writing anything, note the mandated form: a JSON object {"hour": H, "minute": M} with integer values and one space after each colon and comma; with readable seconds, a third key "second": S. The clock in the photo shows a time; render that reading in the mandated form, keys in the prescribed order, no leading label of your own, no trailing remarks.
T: {"hour": 10, "minute": 9}
